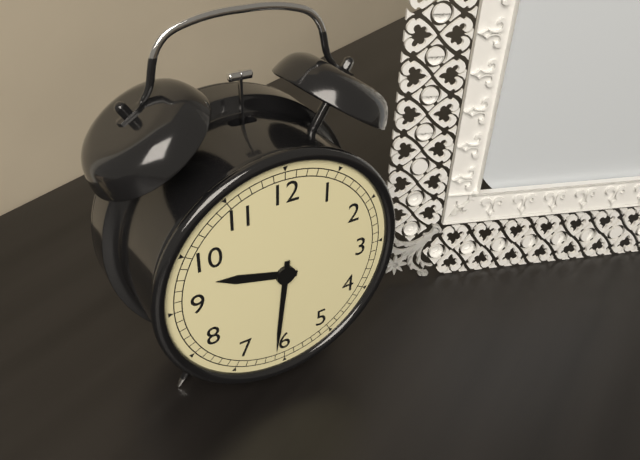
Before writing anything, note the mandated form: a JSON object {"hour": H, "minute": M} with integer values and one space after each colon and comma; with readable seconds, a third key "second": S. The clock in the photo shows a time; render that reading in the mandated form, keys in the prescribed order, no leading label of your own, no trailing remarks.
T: {"hour": 9, "minute": 31}
